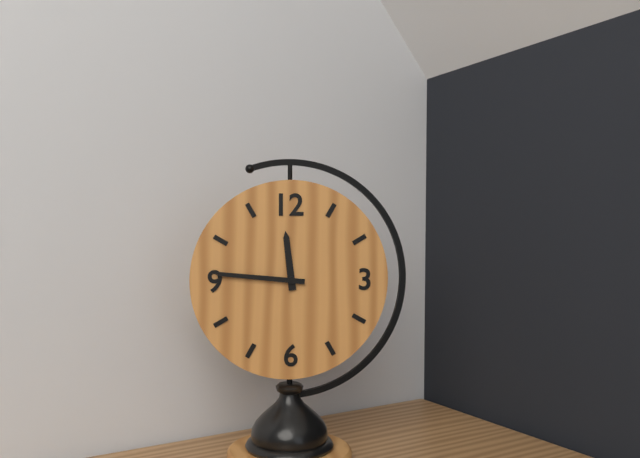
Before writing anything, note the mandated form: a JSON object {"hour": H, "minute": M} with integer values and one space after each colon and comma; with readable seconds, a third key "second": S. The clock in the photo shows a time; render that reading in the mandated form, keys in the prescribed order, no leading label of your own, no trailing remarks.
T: {"hour": 11, "minute": 46}
